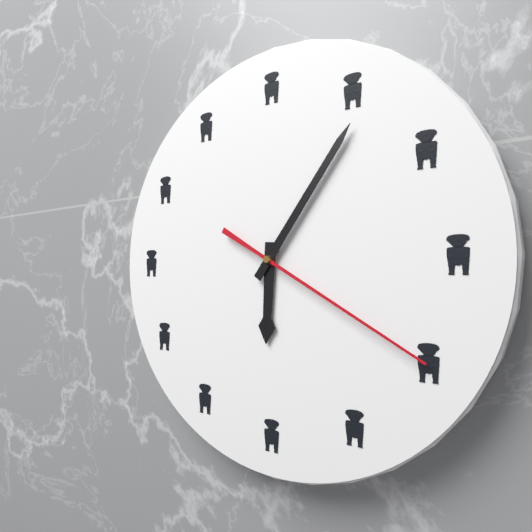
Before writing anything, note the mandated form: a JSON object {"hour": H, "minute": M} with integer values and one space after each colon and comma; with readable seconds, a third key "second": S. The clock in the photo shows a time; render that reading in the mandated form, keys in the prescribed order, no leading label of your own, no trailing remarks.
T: {"hour": 6, "minute": 6, "second": 20}
